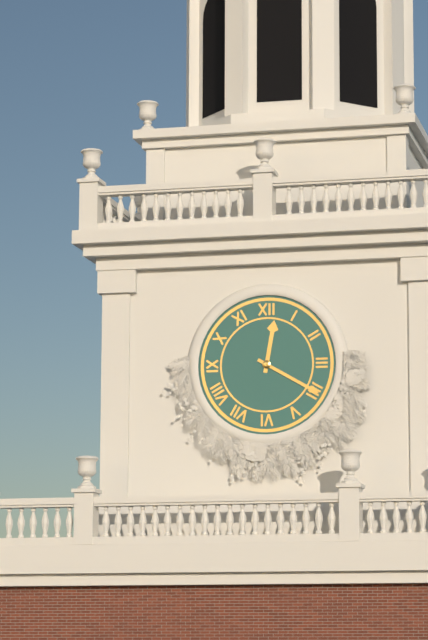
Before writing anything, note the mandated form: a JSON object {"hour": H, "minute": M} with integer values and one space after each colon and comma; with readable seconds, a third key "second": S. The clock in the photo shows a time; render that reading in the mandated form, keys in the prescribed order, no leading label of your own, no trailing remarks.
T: {"hour": 12, "minute": 20}
